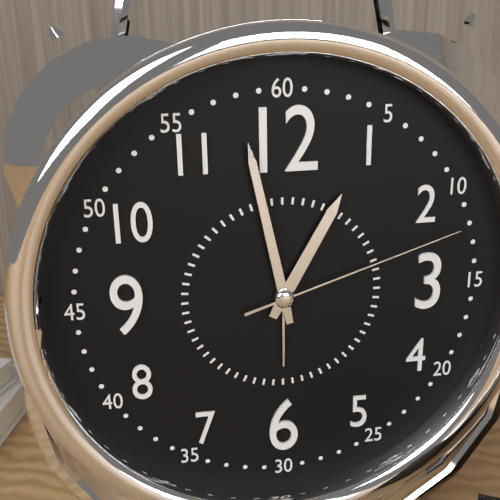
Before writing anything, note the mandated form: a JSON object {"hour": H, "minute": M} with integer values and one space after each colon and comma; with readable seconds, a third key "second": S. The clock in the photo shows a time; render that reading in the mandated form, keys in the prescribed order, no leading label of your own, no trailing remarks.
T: {"hour": 12, "minute": 58, "second": 12}
